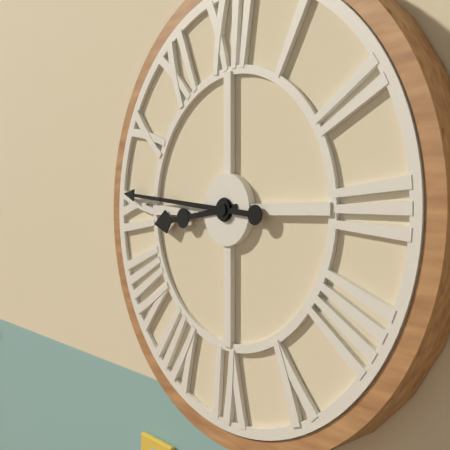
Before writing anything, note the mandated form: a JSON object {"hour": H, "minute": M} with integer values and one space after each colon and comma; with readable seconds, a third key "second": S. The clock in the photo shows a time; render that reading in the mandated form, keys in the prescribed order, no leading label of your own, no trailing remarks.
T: {"hour": 8, "minute": 46}
